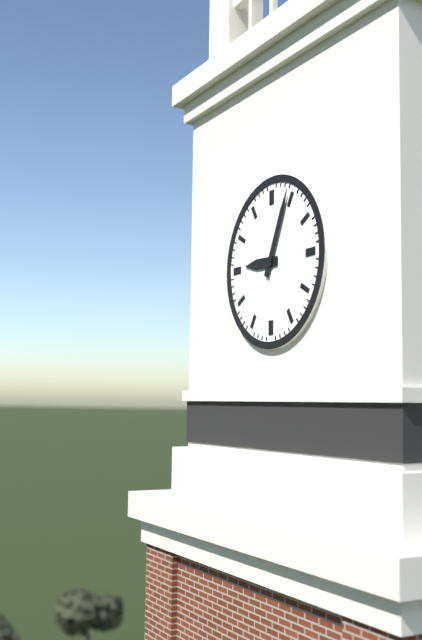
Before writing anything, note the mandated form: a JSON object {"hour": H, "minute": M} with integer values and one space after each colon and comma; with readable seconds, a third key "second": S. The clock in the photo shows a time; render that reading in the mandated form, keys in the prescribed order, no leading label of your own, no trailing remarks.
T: {"hour": 9, "minute": 4}
